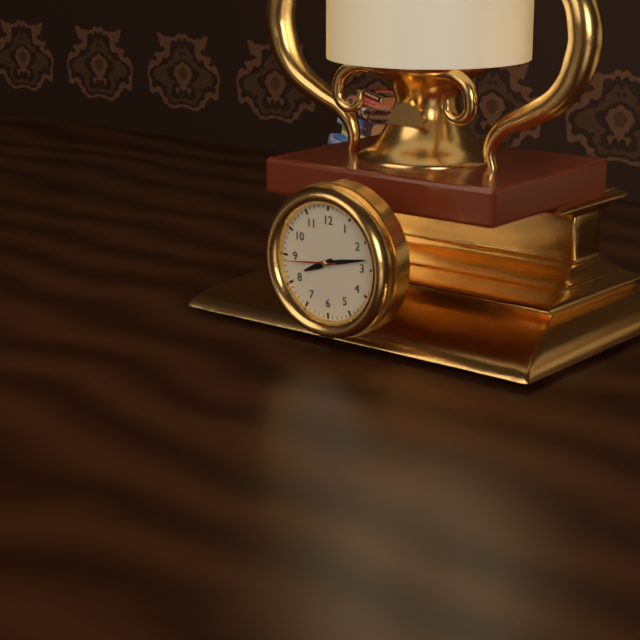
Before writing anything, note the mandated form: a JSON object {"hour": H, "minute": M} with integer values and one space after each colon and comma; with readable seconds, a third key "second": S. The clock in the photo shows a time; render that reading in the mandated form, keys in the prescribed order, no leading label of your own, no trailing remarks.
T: {"hour": 8, "minute": 13, "second": 44}
